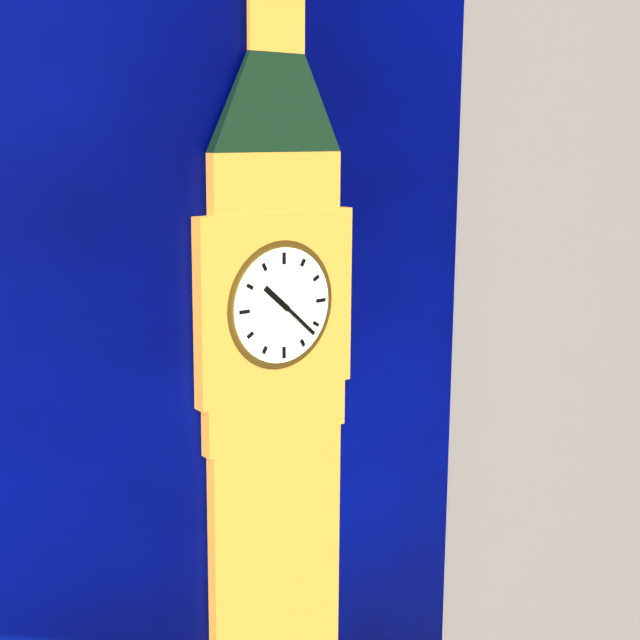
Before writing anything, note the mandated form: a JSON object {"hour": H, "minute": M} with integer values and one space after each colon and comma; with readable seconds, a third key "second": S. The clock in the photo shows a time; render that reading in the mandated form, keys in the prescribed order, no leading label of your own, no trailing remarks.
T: {"hour": 10, "minute": 22}
